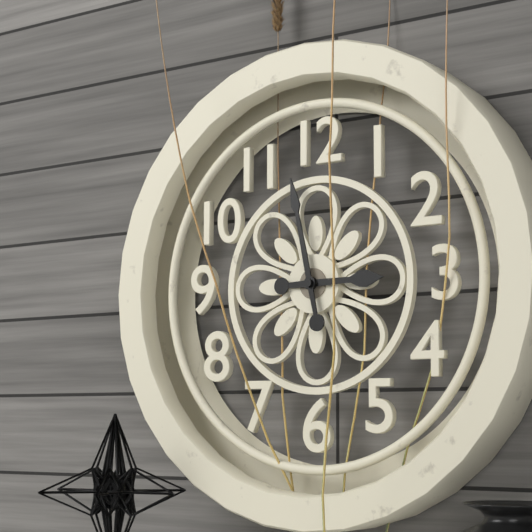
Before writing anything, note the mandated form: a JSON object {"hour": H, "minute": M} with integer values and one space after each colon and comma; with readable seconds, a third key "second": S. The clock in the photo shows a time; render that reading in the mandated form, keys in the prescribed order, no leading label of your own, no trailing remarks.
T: {"hour": 2, "minute": 58}
